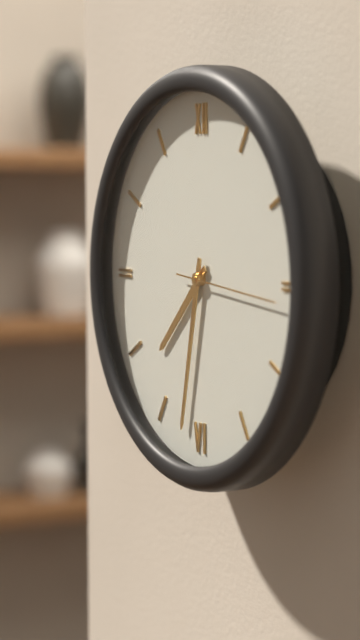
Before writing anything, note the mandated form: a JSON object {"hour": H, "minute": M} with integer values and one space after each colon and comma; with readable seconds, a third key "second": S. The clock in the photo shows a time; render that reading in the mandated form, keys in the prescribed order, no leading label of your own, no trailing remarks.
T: {"hour": 7, "minute": 32}
